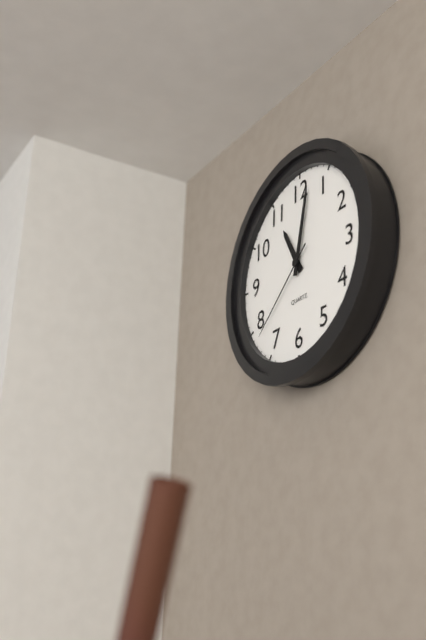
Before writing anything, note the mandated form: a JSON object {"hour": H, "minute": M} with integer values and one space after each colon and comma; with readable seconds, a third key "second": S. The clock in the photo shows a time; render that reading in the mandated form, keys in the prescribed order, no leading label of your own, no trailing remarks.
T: {"hour": 11, "minute": 2, "second": 38}
